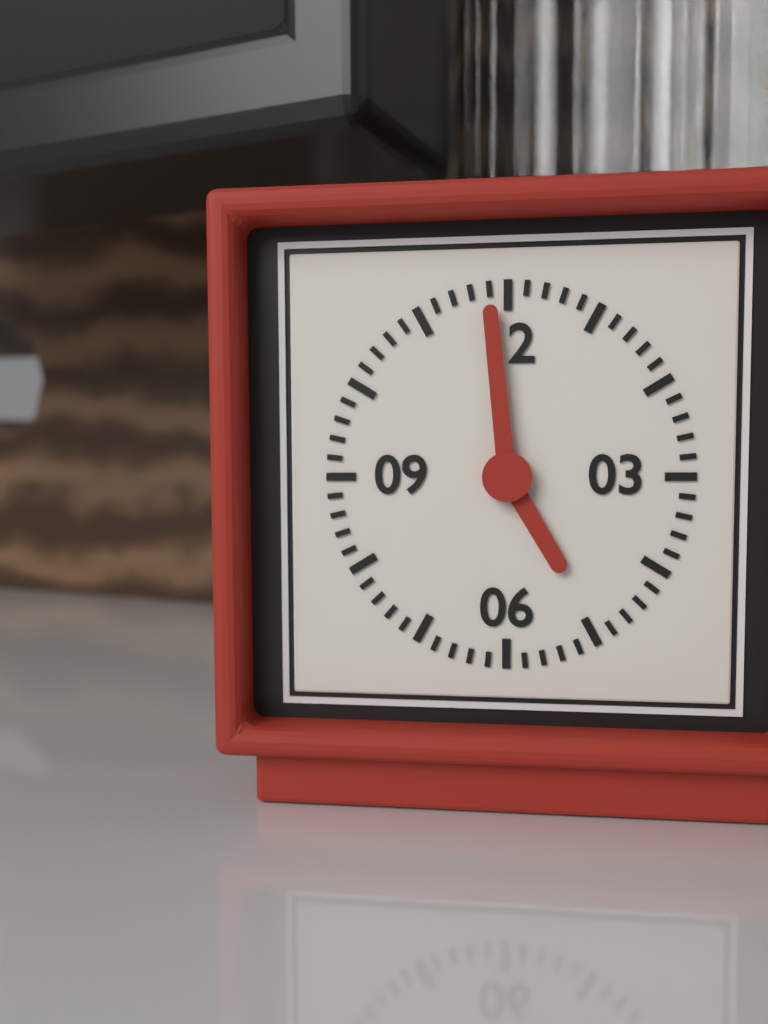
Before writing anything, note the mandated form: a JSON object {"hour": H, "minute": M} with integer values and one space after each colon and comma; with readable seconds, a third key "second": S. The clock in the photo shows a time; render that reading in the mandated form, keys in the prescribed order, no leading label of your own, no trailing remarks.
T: {"hour": 4, "minute": 59}
